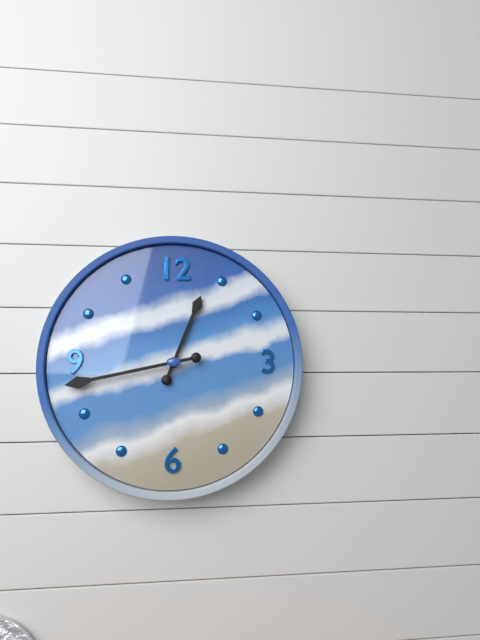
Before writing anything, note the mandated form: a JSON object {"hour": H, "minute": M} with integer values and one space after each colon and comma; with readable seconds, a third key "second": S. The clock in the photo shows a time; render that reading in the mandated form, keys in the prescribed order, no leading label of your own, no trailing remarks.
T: {"hour": 12, "minute": 43}
